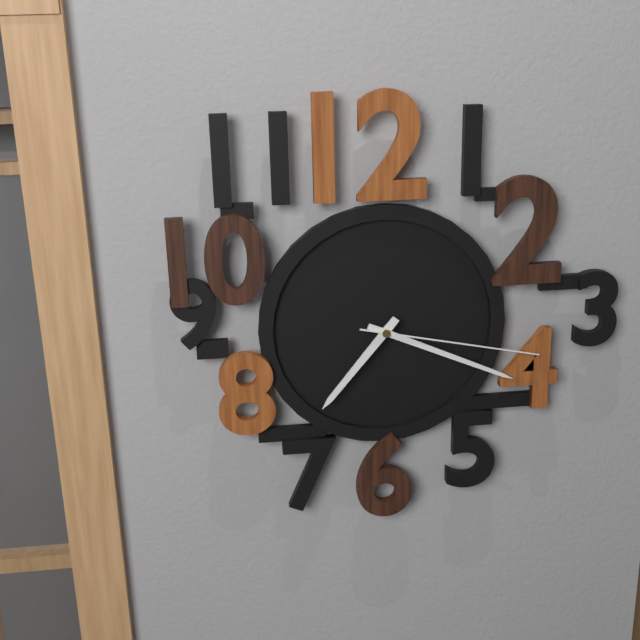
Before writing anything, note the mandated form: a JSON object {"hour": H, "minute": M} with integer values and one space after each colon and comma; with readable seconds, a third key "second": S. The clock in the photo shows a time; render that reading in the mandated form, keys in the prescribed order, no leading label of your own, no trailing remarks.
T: {"hour": 7, "minute": 19, "second": 17}
